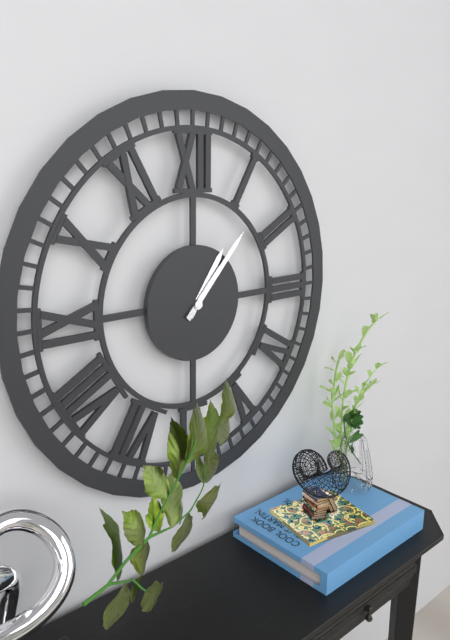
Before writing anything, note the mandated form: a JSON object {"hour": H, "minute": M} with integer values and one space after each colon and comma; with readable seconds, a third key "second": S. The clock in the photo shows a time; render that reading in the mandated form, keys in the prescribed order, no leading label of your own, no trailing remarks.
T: {"hour": 1, "minute": 7}
